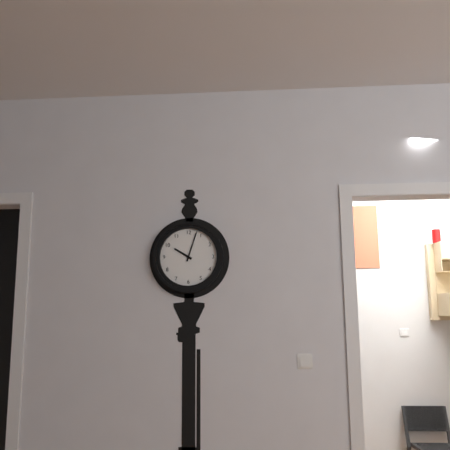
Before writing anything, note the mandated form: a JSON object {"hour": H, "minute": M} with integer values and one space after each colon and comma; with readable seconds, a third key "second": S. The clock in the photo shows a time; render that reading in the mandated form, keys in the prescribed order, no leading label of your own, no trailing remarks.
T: {"hour": 10, "minute": 3}
